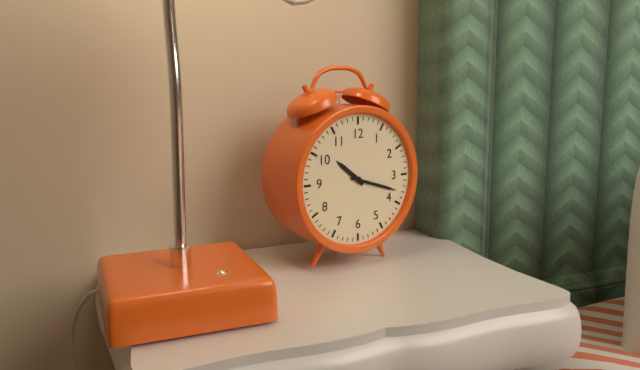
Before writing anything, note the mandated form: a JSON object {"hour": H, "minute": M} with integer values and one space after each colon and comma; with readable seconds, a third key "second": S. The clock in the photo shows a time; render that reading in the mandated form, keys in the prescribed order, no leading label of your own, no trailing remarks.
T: {"hour": 10, "minute": 18}
